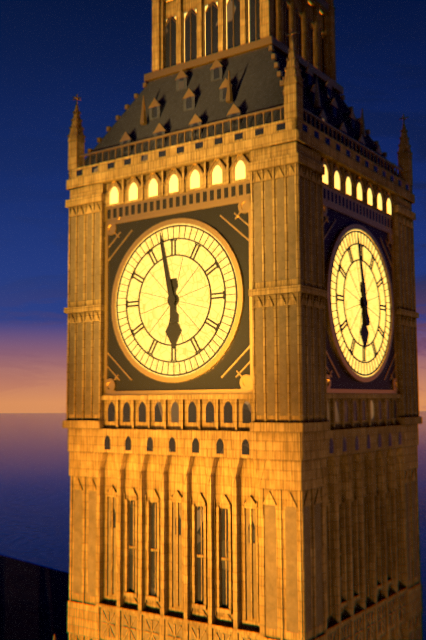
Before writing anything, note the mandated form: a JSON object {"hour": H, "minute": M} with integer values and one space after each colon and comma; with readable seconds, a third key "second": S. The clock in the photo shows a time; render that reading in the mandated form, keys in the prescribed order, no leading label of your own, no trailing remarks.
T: {"hour": 5, "minute": 58}
